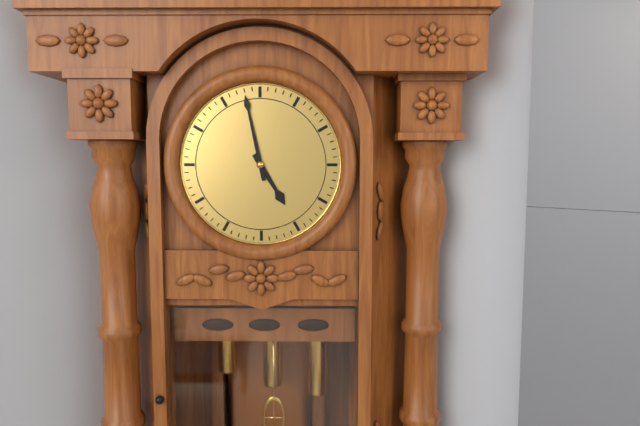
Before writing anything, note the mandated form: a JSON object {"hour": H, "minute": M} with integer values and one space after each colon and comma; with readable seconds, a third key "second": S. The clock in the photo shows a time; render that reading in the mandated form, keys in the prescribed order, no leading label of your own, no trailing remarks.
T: {"hour": 4, "minute": 58}
